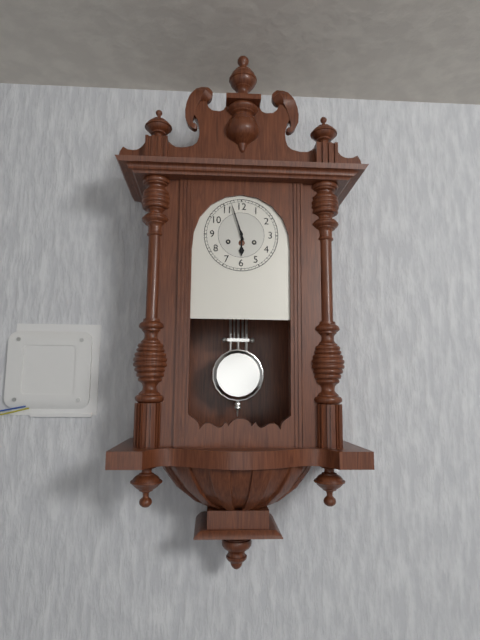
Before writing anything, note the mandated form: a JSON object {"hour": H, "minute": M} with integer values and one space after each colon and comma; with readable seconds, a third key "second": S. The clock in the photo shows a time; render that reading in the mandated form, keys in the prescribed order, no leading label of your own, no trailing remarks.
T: {"hour": 5, "minute": 57}
